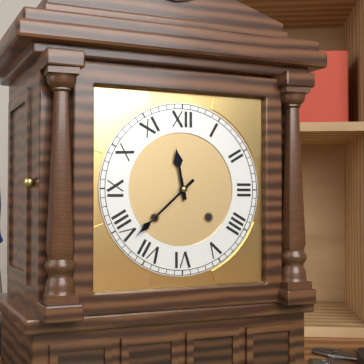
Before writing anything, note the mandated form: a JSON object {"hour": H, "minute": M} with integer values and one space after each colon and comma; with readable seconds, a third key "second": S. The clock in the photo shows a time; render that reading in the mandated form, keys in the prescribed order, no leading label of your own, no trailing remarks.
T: {"hour": 11, "minute": 38}
